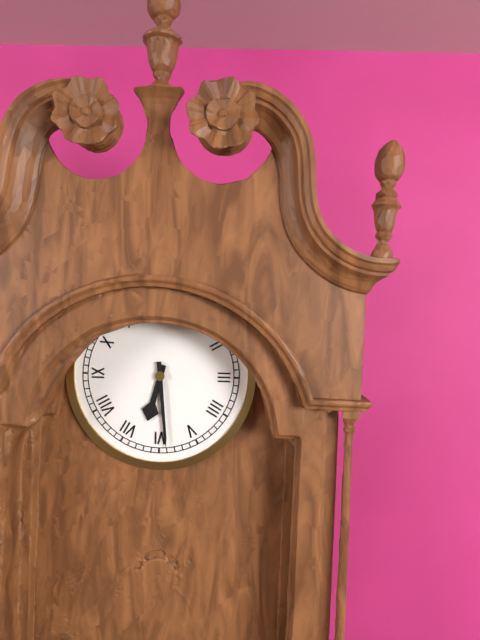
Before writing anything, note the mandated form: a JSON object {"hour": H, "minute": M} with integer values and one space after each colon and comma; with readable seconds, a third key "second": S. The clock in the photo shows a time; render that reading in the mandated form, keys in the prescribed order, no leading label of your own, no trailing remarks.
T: {"hour": 6, "minute": 29}
